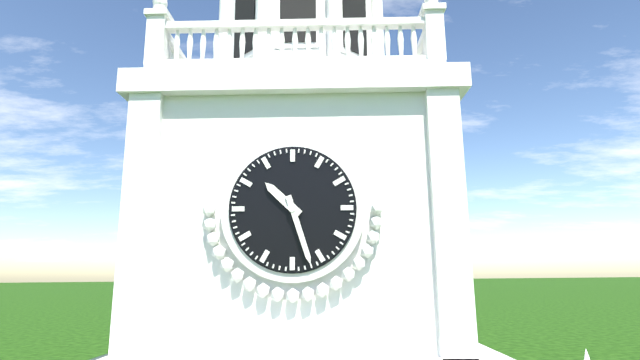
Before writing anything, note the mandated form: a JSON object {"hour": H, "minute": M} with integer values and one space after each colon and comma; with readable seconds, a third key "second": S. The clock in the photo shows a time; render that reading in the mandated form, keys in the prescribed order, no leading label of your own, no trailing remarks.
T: {"hour": 10, "minute": 27}
